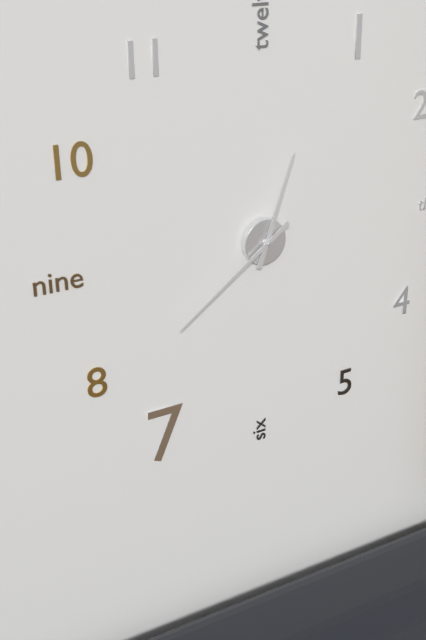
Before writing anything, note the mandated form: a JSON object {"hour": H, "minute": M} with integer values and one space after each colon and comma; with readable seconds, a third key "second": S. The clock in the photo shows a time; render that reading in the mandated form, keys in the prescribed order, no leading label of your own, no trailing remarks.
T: {"hour": 12, "minute": 39}
